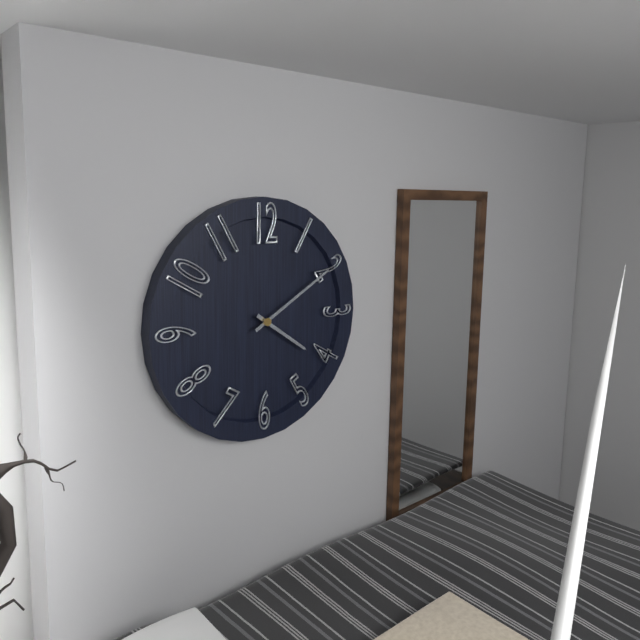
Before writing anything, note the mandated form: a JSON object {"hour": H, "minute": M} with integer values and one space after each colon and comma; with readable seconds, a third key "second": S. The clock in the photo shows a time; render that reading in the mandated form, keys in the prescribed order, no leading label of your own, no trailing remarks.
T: {"hour": 4, "minute": 10}
